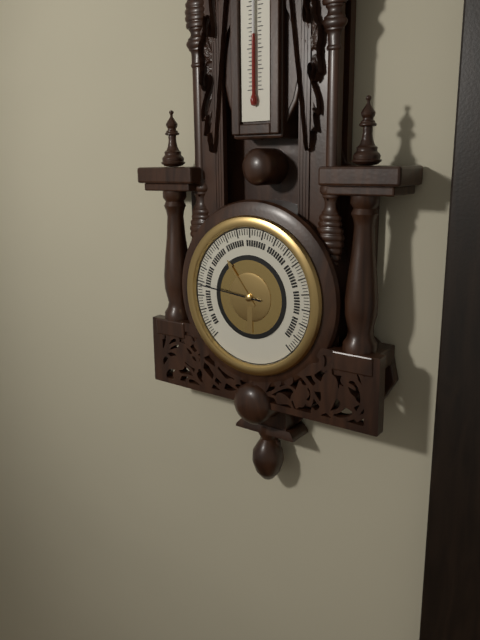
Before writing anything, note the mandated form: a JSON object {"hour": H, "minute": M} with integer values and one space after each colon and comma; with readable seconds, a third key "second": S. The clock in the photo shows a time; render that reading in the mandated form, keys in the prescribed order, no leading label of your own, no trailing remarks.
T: {"hour": 10, "minute": 46}
